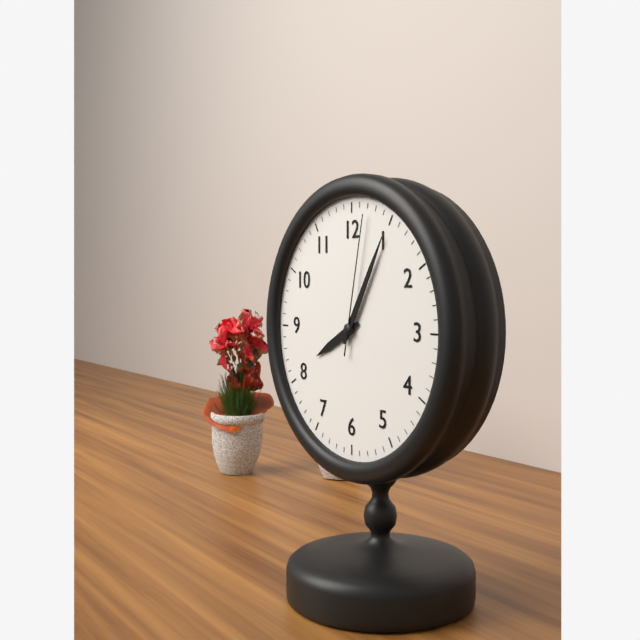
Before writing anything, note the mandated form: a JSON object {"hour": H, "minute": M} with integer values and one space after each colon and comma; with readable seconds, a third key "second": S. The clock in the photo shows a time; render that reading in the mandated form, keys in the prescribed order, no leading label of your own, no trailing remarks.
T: {"hour": 8, "minute": 5, "second": 2}
